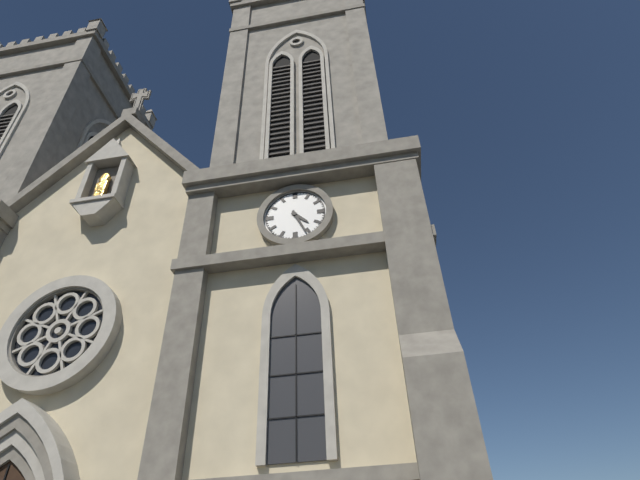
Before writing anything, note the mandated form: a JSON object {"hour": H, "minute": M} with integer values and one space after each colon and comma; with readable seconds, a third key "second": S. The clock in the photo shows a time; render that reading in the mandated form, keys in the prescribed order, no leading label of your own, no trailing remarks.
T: {"hour": 4, "minute": 26}
